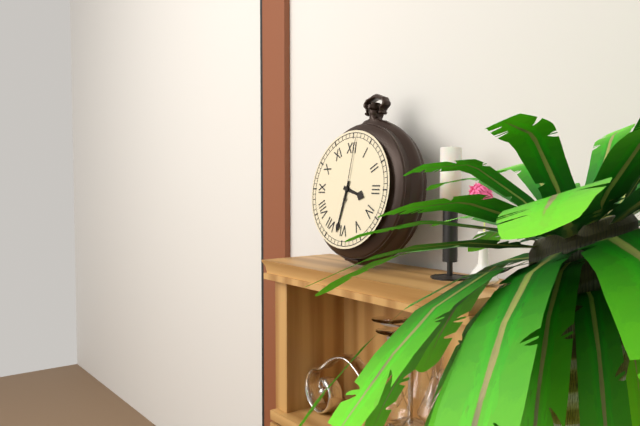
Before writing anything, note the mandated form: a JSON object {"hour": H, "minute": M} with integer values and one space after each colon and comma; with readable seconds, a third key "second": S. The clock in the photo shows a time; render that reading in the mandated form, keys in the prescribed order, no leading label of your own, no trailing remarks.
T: {"hour": 3, "minute": 32, "second": 1}
